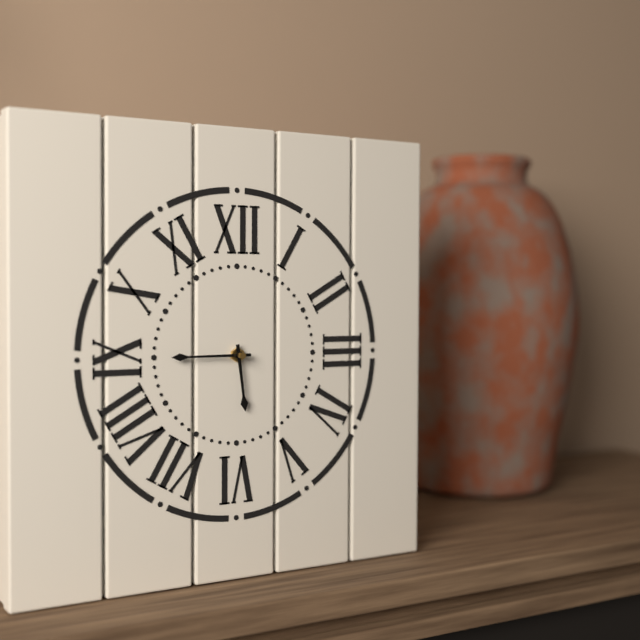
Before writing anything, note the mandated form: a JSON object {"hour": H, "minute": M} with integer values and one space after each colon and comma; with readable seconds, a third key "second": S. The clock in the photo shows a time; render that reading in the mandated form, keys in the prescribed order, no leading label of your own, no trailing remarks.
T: {"hour": 5, "minute": 45}
